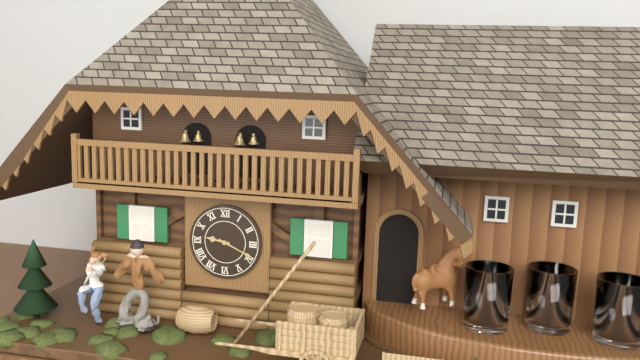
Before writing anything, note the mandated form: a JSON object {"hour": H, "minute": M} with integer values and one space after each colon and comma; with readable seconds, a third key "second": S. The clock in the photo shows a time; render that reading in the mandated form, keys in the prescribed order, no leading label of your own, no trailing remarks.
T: {"hour": 9, "minute": 19}
